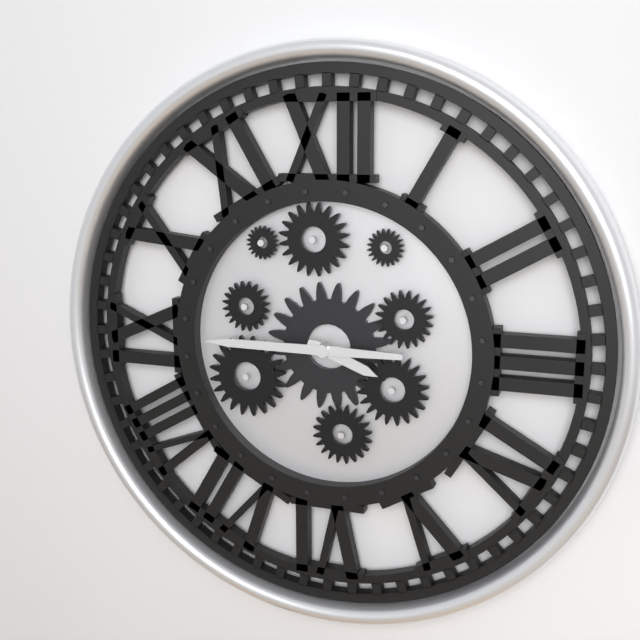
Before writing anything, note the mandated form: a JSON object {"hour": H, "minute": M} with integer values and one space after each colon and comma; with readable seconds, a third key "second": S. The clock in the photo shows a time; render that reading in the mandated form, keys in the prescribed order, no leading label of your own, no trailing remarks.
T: {"hour": 3, "minute": 45}
